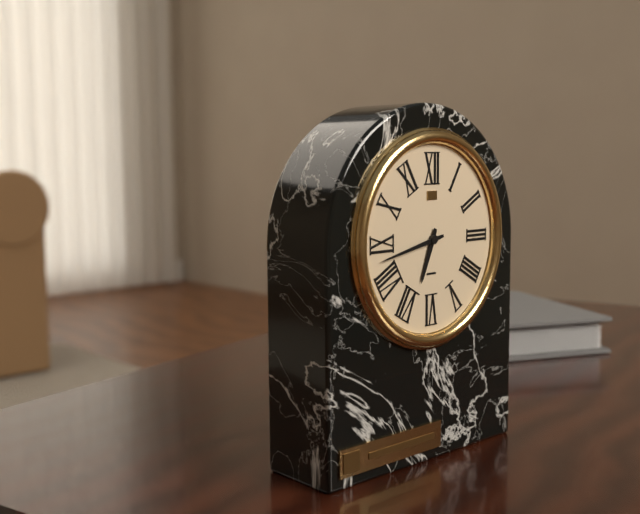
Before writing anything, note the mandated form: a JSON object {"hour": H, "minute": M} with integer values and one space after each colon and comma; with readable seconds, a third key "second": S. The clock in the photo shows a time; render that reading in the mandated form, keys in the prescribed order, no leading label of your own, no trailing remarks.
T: {"hour": 6, "minute": 43}
